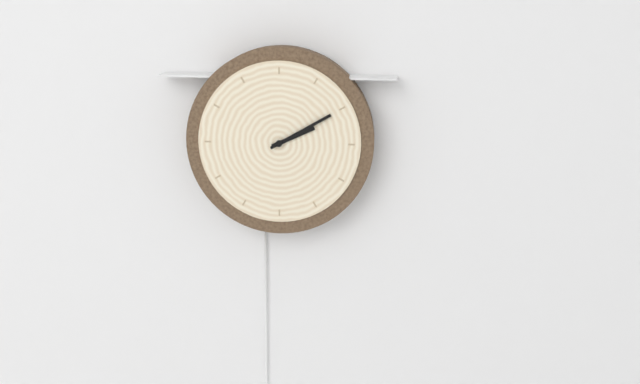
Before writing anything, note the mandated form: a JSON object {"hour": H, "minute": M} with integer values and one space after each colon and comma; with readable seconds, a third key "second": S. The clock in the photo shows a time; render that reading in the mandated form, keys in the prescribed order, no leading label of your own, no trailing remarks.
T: {"hour": 2, "minute": 10}
